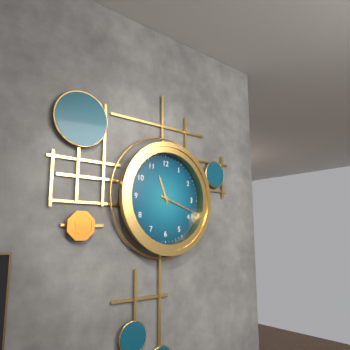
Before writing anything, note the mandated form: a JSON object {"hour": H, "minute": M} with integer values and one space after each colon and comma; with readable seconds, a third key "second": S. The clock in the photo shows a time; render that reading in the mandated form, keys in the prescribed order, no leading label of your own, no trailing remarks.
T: {"hour": 11, "minute": 18}
